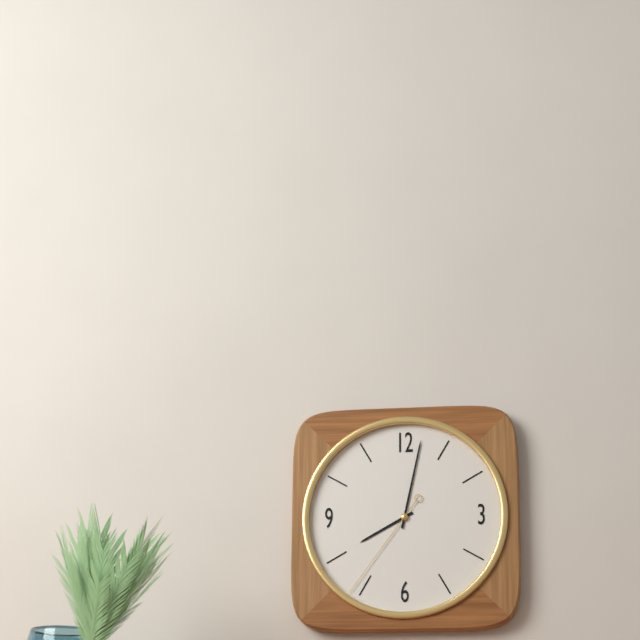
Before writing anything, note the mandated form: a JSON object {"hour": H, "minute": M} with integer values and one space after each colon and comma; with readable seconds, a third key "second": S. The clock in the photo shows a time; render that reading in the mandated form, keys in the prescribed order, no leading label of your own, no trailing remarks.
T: {"hour": 8, "minute": 2, "second": 36}
